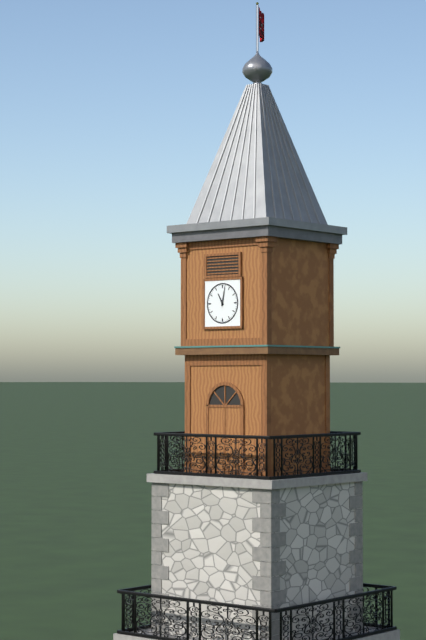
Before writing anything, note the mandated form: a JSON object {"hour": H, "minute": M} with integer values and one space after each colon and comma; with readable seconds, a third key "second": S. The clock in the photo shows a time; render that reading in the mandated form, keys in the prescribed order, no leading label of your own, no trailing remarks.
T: {"hour": 11, "minute": 2}
